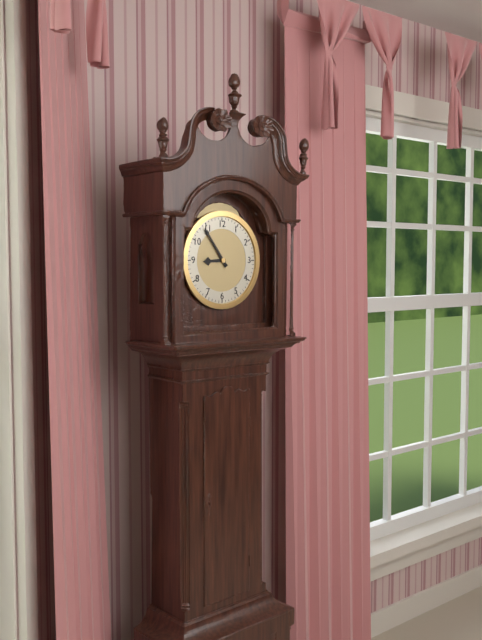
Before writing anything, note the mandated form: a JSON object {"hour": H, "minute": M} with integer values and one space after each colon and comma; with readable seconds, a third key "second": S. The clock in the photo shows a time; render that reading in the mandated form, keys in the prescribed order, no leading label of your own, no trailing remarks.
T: {"hour": 8, "minute": 54}
